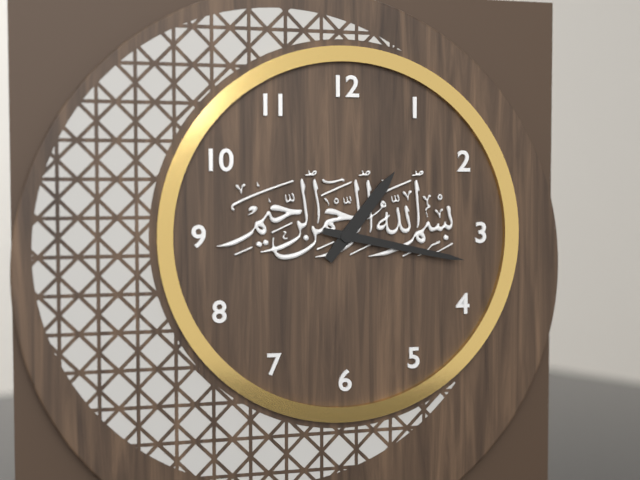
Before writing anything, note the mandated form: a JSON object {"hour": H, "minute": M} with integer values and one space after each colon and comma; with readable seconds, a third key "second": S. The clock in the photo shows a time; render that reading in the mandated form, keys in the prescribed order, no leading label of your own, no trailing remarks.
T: {"hour": 1, "minute": 17}
